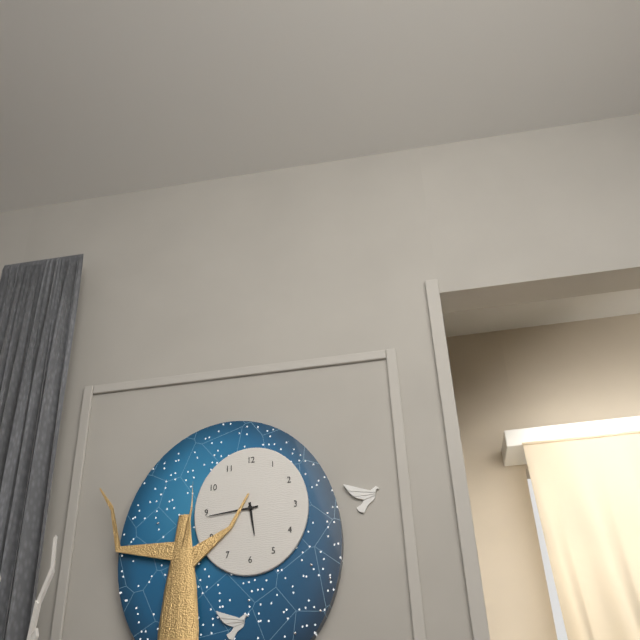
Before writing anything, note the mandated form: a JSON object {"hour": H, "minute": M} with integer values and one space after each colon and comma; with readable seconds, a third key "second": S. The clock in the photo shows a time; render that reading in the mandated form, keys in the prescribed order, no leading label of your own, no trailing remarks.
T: {"hour": 5, "minute": 44}
